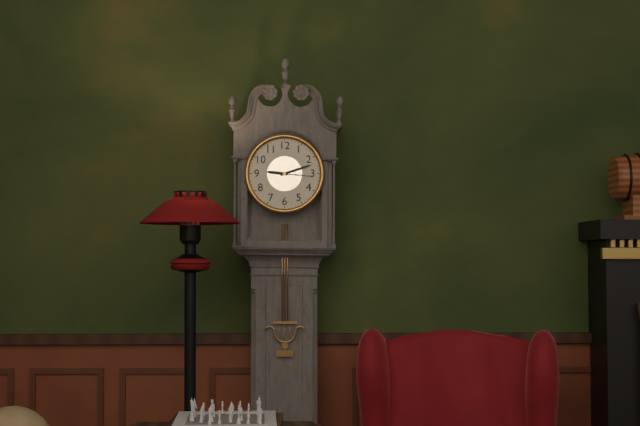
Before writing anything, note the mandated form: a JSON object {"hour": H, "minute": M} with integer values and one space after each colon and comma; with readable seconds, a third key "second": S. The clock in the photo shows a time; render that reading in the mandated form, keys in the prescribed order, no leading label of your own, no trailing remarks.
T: {"hour": 9, "minute": 12}
